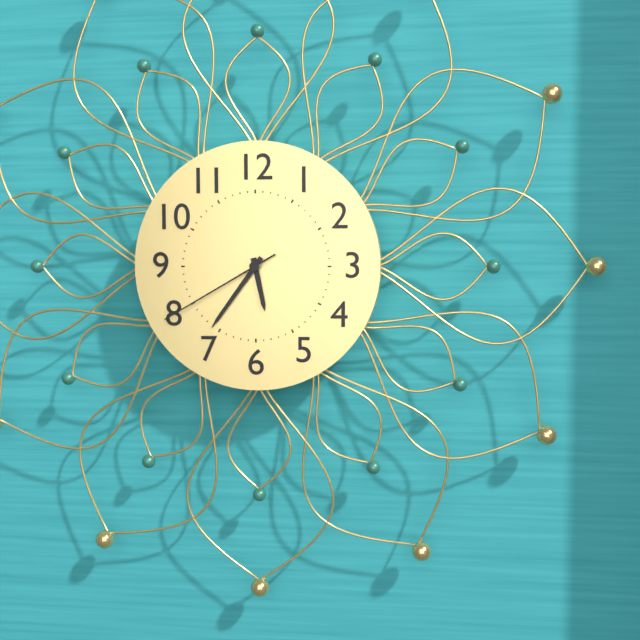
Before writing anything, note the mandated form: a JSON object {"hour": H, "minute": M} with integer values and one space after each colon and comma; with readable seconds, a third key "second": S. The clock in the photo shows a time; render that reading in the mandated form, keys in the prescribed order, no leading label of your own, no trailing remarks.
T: {"hour": 5, "minute": 36, "second": 40}
